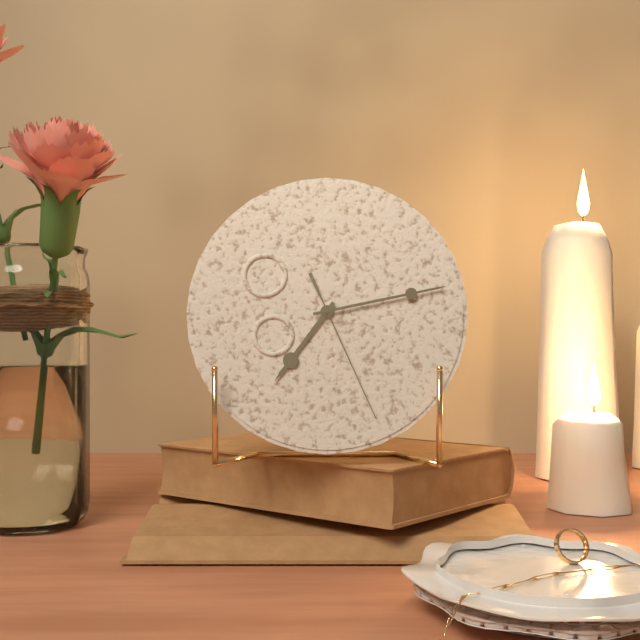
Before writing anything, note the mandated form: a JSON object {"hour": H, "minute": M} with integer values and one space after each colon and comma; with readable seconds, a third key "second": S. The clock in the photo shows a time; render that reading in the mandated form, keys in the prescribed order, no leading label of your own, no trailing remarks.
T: {"hour": 7, "minute": 13, "second": 26}
